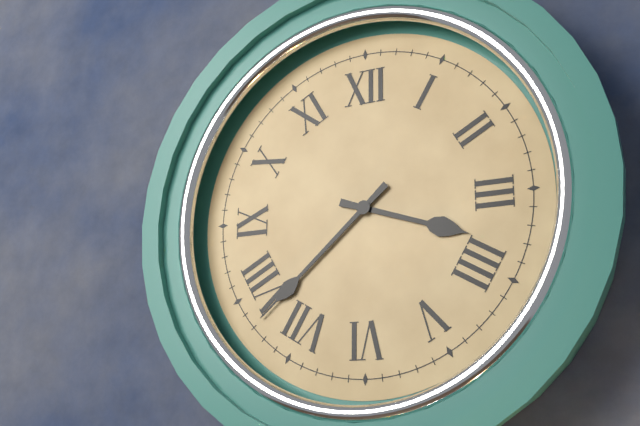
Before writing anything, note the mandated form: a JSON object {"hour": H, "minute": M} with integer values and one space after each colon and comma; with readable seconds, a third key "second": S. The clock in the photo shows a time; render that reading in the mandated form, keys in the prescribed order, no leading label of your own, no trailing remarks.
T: {"hour": 3, "minute": 38}
